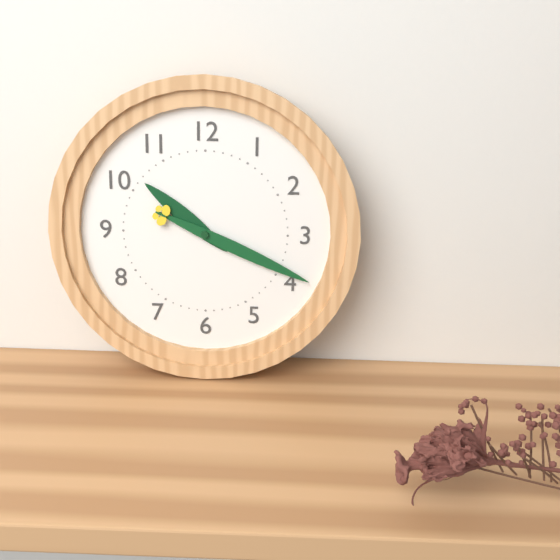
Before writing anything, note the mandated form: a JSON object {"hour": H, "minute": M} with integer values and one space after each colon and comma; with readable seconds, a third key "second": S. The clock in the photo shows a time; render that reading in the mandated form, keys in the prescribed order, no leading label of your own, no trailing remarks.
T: {"hour": 10, "minute": 19}
